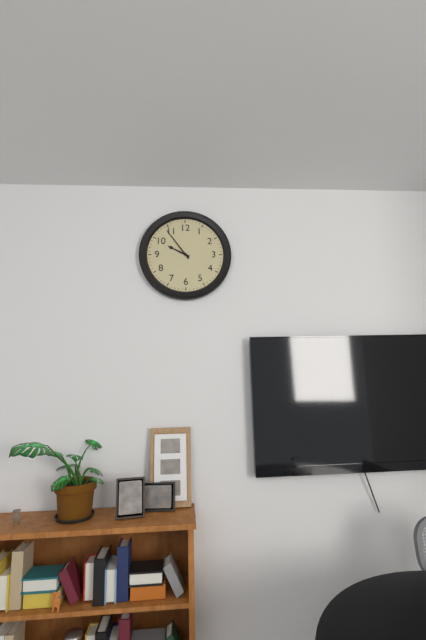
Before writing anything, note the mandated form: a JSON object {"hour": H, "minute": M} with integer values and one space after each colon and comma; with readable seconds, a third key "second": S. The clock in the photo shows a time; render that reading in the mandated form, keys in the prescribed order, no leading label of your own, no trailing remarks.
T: {"hour": 9, "minute": 54}
